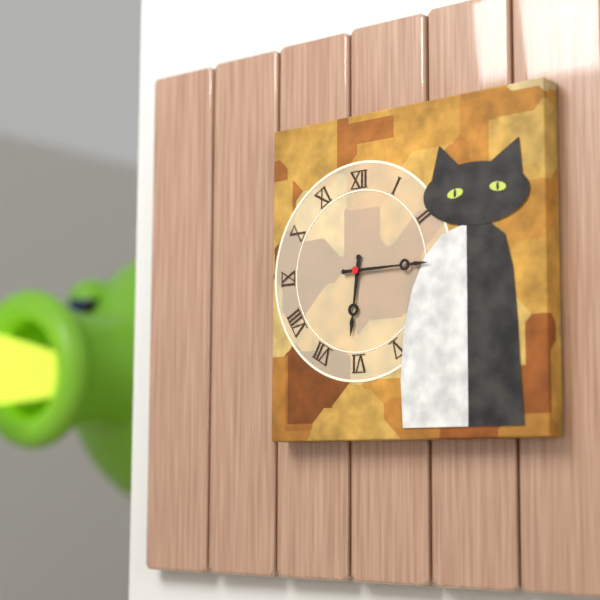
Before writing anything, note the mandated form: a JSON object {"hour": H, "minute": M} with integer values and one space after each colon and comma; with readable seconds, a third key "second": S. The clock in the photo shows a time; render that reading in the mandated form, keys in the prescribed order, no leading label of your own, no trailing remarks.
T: {"hour": 6, "minute": 15}
